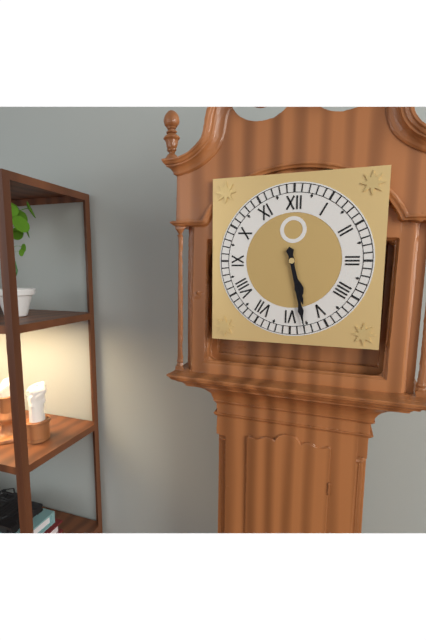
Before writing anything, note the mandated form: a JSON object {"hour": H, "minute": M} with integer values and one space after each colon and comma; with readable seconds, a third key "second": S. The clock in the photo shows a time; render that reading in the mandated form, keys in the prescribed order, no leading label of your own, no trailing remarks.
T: {"hour": 5, "minute": 28}
